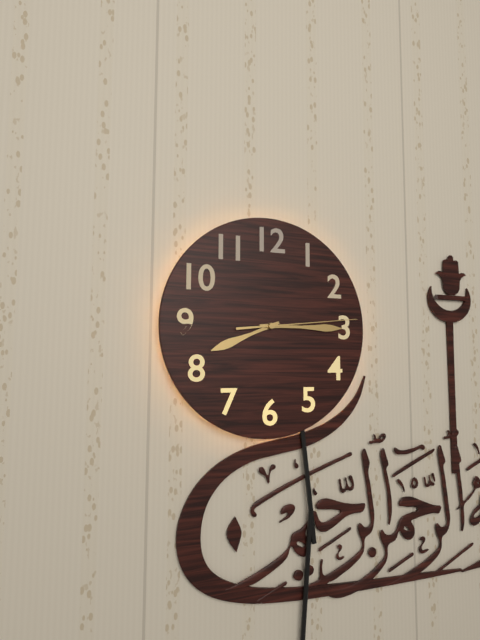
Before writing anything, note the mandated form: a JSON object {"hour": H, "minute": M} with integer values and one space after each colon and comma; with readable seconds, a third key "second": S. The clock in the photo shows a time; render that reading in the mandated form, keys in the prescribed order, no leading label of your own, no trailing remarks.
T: {"hour": 8, "minute": 15, "second": 14}
